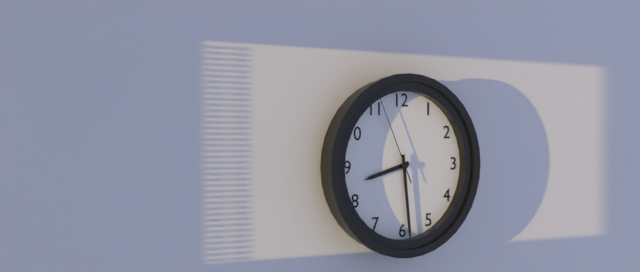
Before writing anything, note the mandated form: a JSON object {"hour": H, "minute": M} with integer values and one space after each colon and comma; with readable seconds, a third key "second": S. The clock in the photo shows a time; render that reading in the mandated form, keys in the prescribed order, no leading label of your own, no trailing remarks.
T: {"hour": 8, "minute": 29, "second": 56}
